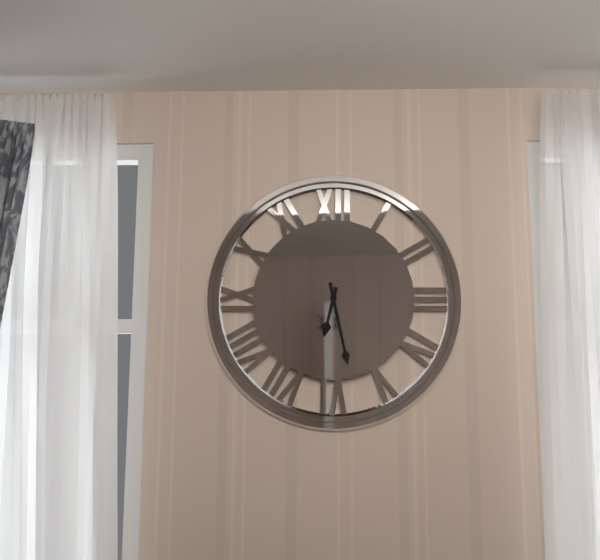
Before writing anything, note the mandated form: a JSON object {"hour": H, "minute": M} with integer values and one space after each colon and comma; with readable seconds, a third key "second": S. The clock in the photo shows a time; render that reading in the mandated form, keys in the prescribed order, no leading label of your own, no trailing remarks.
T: {"hour": 6, "minute": 28}
